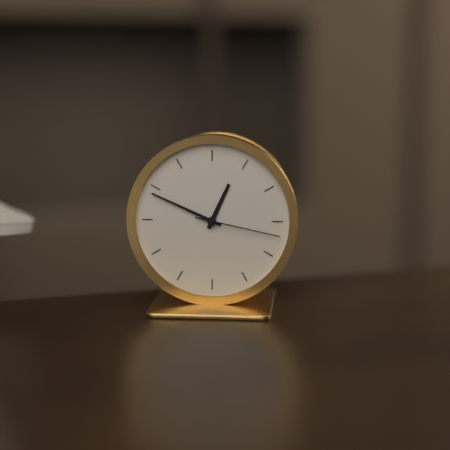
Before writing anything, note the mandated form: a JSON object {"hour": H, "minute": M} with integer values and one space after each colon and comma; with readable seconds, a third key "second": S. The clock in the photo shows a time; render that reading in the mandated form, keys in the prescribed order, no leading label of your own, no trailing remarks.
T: {"hour": 12, "minute": 49, "second": 17}
